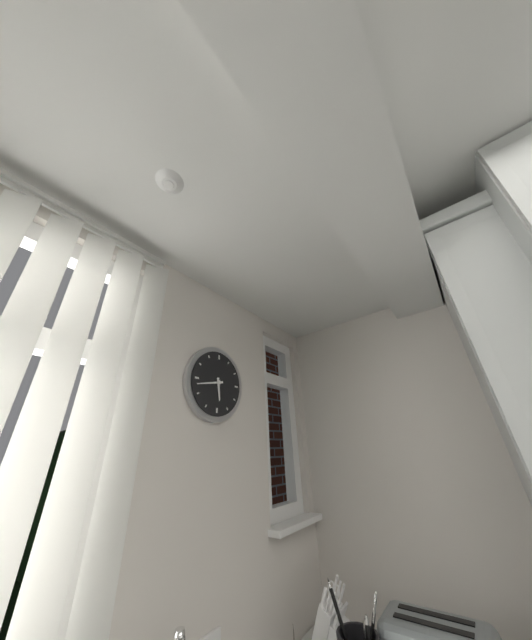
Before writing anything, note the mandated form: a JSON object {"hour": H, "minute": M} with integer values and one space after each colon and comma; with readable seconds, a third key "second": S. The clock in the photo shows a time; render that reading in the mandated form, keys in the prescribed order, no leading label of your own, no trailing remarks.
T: {"hour": 5, "minute": 43}
